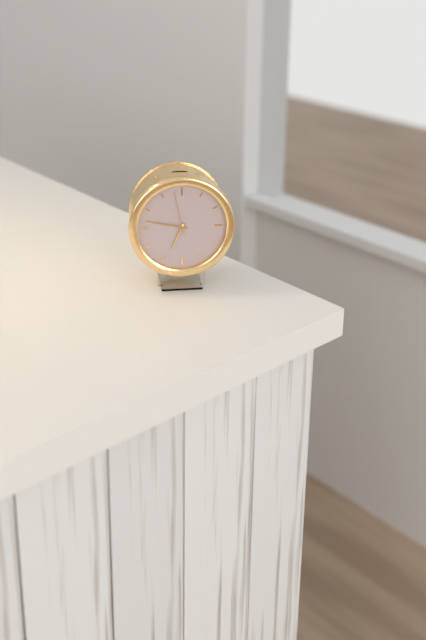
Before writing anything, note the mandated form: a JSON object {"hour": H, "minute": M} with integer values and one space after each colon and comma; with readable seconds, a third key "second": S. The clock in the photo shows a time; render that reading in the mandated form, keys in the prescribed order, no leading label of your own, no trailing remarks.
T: {"hour": 6, "minute": 47}
